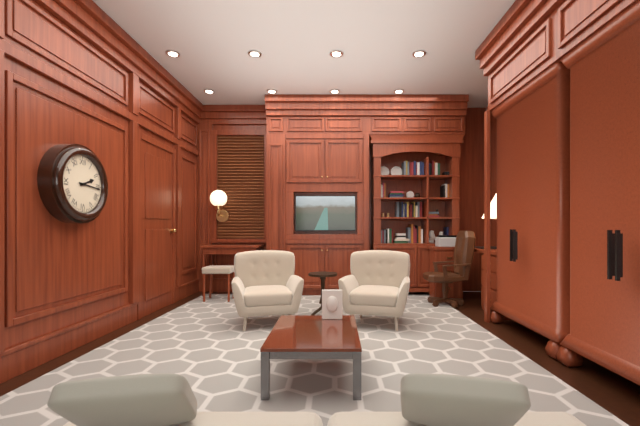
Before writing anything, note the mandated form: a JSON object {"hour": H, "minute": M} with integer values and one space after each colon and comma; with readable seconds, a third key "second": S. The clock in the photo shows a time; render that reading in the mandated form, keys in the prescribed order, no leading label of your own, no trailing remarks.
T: {"hour": 2, "minute": 16}
